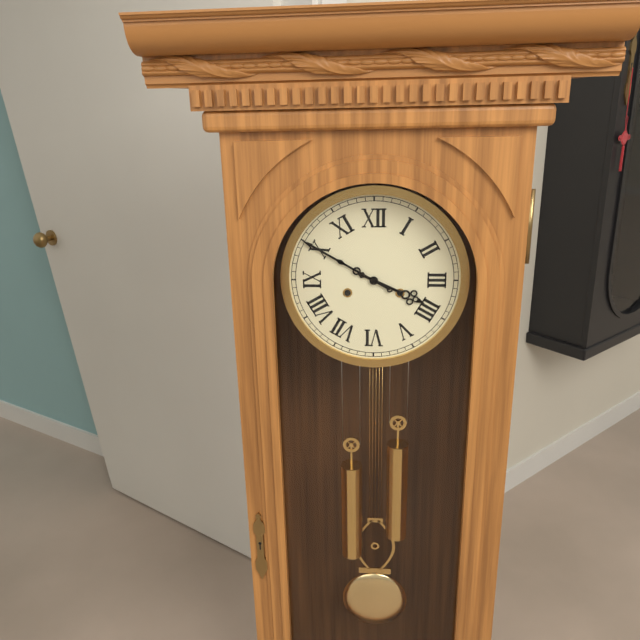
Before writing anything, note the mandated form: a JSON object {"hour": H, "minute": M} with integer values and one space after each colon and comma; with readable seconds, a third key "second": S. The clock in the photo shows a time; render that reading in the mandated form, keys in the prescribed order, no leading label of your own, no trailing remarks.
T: {"hour": 3, "minute": 50}
